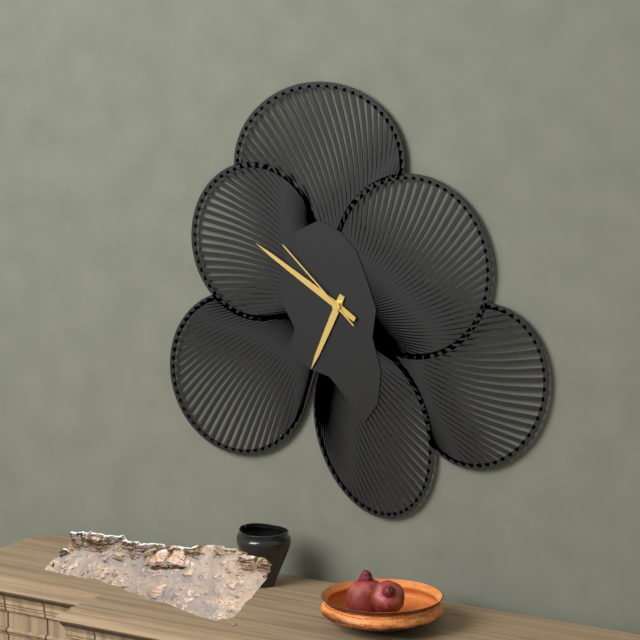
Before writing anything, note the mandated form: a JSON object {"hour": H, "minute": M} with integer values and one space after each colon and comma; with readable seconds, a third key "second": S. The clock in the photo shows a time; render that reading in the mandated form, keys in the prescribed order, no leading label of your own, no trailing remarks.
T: {"hour": 6, "minute": 50, "second": 52}
